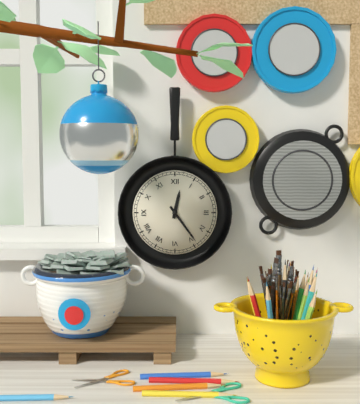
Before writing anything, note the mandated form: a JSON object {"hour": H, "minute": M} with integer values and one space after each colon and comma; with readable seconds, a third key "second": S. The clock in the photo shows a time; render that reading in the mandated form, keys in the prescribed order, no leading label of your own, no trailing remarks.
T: {"hour": 12, "minute": 24}
